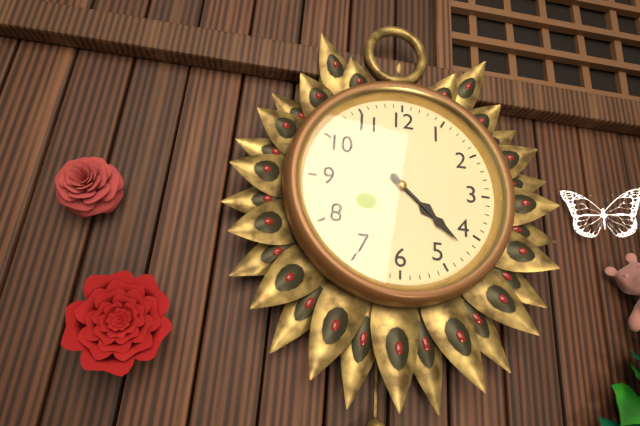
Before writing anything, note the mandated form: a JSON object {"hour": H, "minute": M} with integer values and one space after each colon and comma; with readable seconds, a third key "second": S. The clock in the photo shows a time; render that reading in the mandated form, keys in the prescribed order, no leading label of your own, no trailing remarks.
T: {"hour": 4, "minute": 22}
